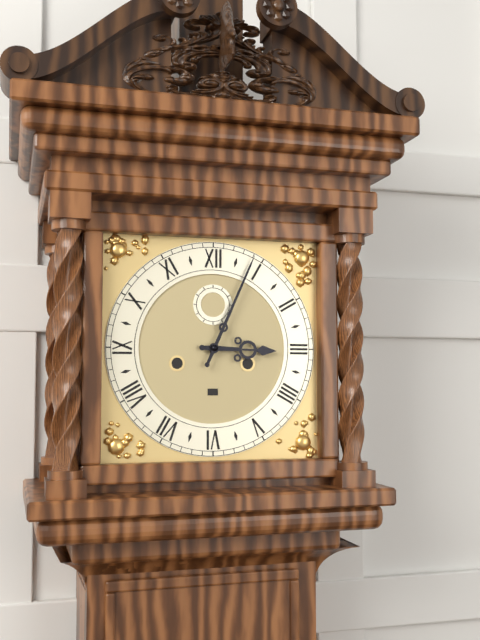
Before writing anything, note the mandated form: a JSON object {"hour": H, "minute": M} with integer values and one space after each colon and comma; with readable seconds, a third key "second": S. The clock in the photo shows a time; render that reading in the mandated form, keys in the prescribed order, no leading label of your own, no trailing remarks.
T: {"hour": 3, "minute": 4}
